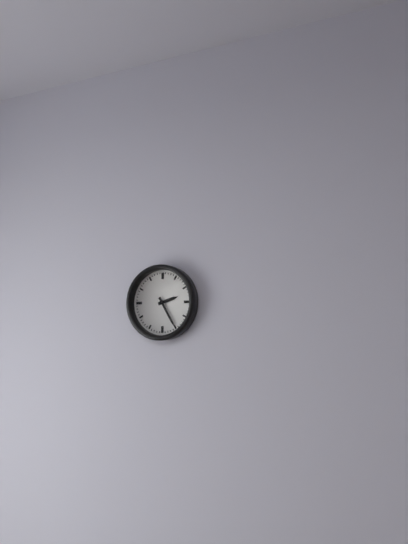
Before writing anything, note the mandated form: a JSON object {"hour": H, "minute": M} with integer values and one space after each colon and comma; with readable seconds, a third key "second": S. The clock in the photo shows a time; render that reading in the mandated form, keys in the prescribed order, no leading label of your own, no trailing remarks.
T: {"hour": 2, "minute": 25}
